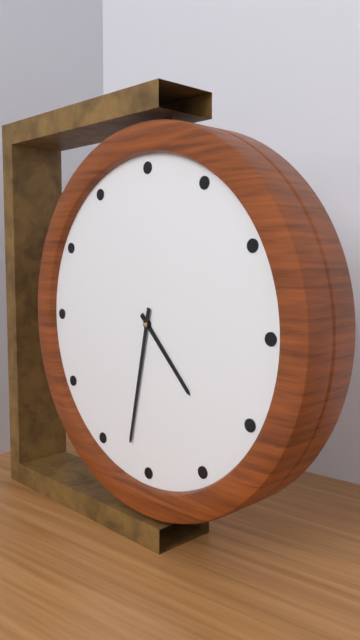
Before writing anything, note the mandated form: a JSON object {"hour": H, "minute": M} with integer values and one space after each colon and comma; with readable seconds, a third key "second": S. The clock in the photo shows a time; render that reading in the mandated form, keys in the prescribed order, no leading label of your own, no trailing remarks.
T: {"hour": 4, "minute": 32}
